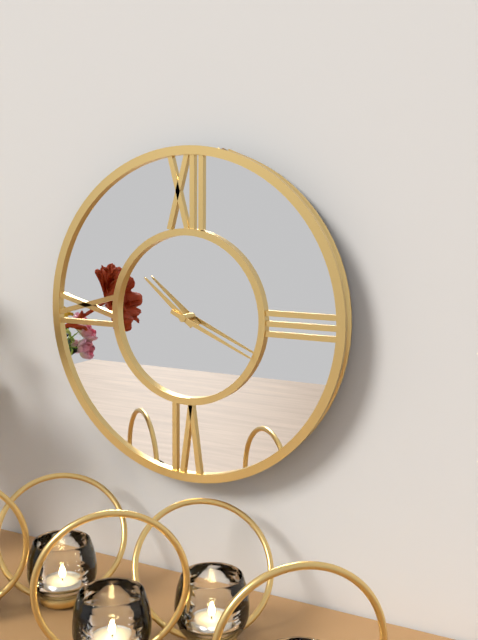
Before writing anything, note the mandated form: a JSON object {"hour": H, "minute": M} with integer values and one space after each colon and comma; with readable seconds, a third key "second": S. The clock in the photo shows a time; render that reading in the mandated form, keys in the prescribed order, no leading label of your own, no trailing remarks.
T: {"hour": 10, "minute": 19}
